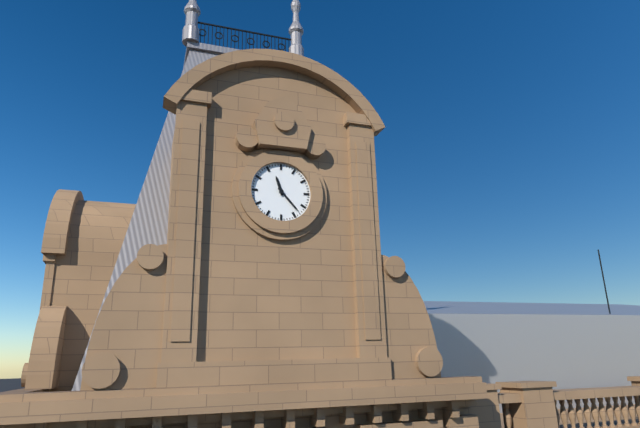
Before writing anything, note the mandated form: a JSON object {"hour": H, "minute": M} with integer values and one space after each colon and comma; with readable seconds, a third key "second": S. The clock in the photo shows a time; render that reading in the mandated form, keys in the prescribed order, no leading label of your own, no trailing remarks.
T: {"hour": 11, "minute": 23}
